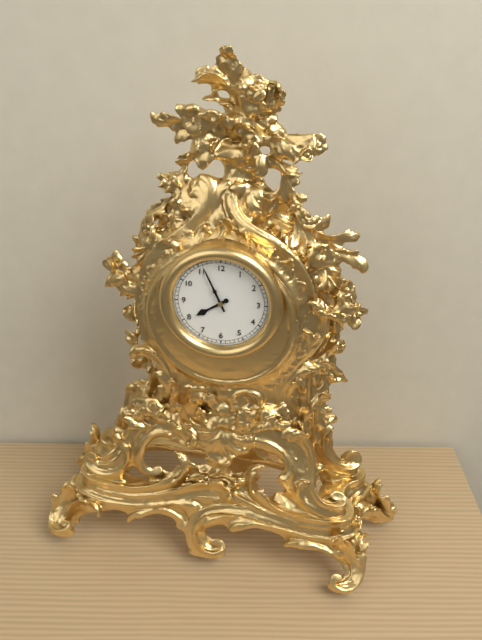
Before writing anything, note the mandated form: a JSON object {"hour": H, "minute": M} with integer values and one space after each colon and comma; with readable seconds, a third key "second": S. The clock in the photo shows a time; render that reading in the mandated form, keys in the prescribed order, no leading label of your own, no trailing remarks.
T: {"hour": 7, "minute": 56}
